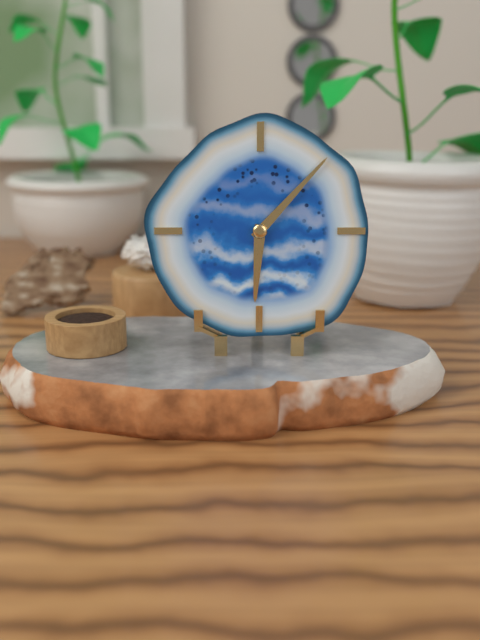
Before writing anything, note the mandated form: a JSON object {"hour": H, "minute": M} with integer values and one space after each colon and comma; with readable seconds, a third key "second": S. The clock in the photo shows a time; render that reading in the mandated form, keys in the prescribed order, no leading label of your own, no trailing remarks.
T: {"hour": 6, "minute": 7}
